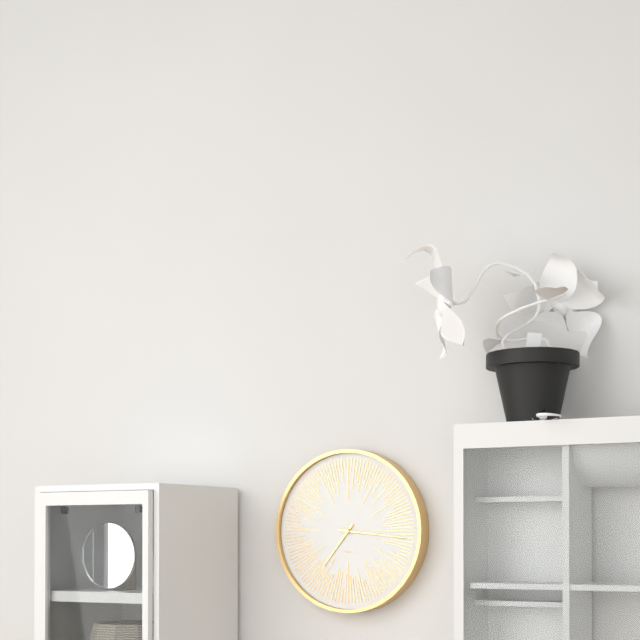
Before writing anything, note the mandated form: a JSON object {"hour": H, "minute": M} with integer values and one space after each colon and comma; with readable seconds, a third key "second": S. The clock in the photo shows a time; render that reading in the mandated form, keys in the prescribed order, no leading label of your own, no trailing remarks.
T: {"hour": 7, "minute": 16}
